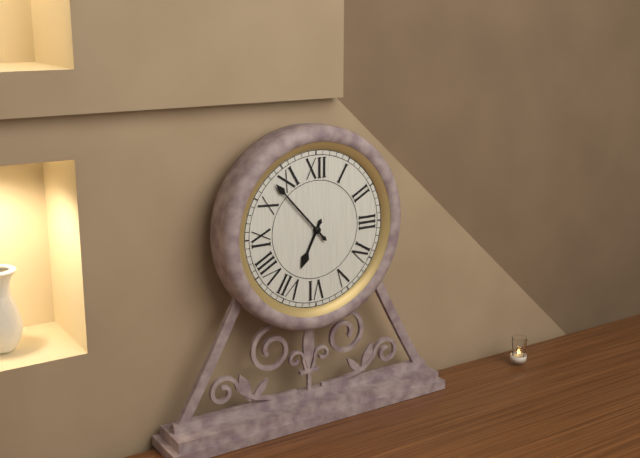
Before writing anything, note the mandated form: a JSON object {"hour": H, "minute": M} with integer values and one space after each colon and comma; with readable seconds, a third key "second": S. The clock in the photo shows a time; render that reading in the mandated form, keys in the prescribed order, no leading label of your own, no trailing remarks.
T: {"hour": 6, "minute": 53}
